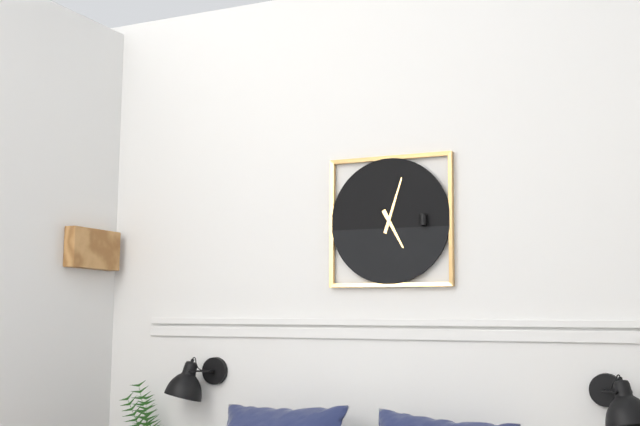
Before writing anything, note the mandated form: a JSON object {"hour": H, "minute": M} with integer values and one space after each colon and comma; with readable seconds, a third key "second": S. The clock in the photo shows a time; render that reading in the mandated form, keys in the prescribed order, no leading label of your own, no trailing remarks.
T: {"hour": 5, "minute": 3}
